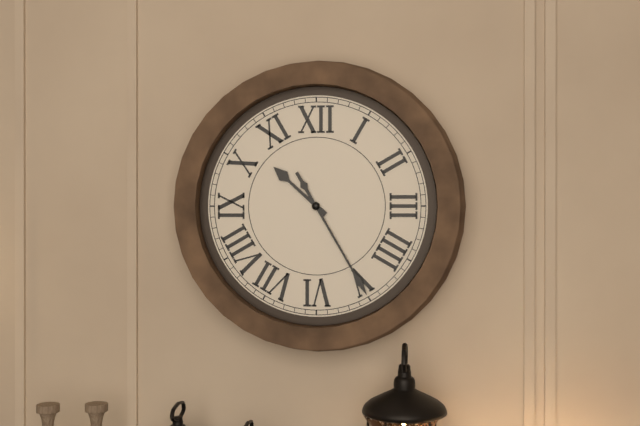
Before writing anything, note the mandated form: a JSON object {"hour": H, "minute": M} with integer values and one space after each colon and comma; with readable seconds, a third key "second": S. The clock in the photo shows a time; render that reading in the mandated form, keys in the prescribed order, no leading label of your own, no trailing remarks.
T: {"hour": 10, "minute": 25}
